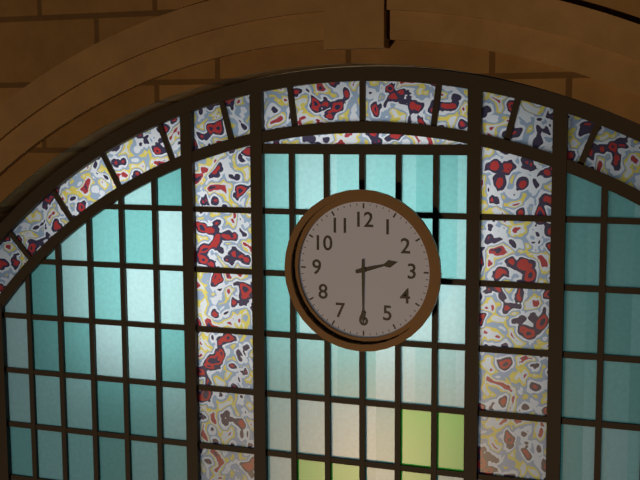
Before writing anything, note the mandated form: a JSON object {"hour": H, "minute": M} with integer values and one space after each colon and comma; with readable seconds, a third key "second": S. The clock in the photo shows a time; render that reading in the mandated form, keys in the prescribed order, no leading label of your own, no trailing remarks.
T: {"hour": 2, "minute": 30}
